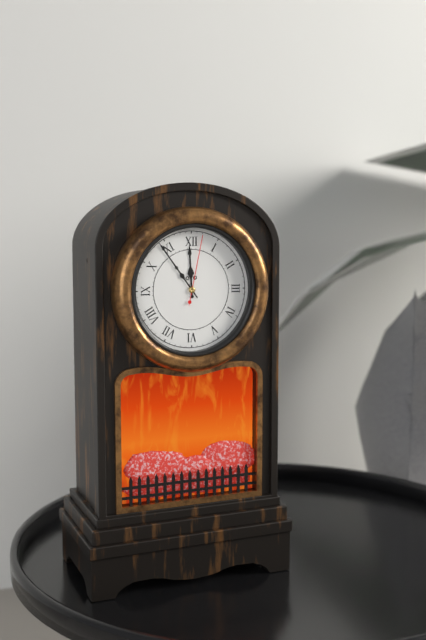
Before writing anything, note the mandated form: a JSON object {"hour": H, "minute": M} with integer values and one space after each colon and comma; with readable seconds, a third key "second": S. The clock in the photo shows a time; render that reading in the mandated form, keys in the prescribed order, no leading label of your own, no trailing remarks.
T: {"hour": 11, "minute": 54, "second": 2}
